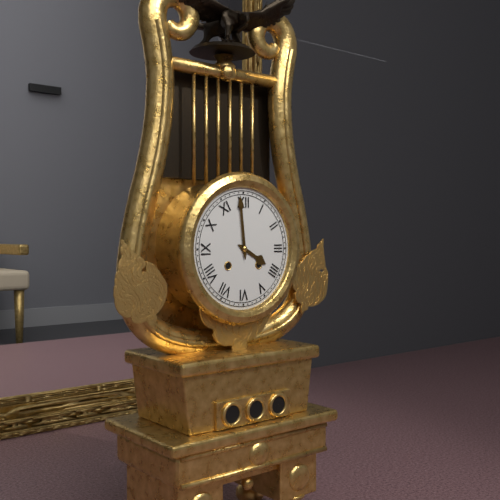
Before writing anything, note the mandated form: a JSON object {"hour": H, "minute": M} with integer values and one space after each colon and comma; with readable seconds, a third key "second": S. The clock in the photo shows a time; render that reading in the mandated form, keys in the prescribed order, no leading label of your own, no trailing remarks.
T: {"hour": 3, "minute": 59}
